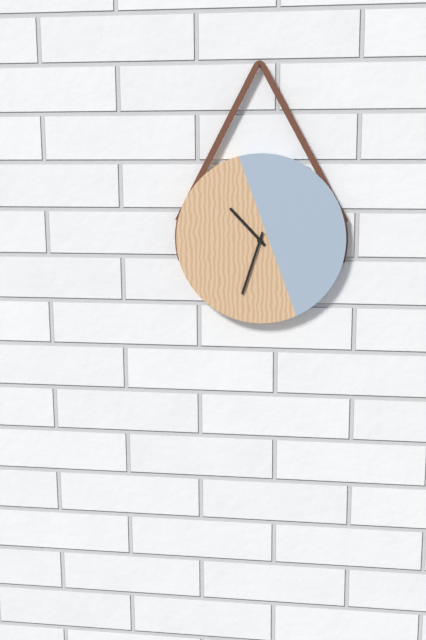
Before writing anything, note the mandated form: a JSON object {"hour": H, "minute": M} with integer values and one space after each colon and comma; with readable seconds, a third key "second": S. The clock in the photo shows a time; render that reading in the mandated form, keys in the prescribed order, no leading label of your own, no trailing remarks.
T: {"hour": 10, "minute": 33}
